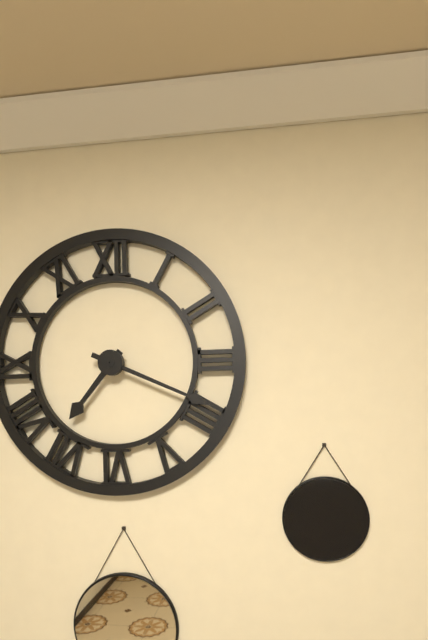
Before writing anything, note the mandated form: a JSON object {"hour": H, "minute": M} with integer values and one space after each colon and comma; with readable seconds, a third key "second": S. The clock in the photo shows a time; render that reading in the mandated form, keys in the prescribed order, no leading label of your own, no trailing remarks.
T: {"hour": 7, "minute": 19}
